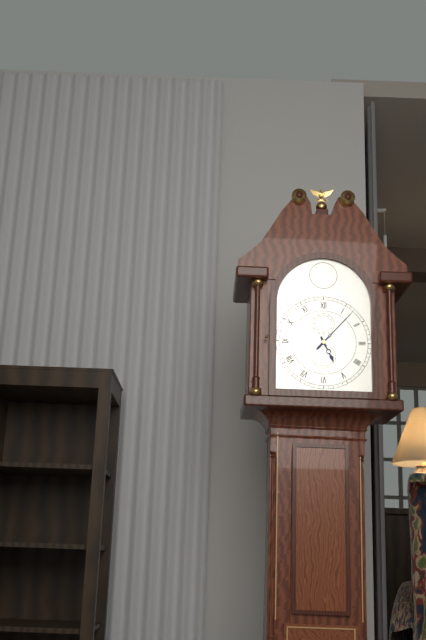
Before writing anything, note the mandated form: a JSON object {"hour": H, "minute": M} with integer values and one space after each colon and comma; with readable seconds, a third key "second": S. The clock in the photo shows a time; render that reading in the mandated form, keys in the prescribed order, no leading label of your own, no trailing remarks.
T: {"hour": 5, "minute": 7}
